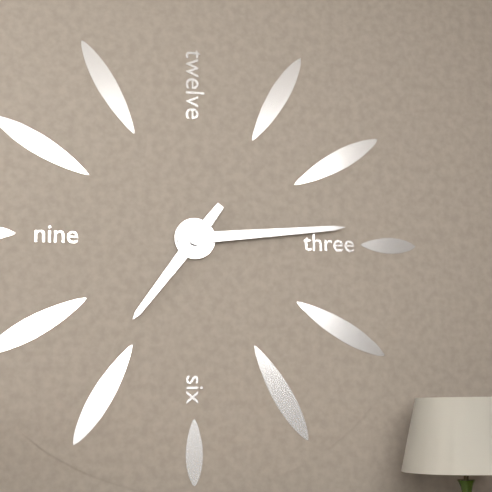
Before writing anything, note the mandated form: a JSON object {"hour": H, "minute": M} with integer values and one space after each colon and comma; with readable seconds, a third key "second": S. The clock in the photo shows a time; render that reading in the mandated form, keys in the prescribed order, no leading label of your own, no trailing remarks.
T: {"hour": 7, "minute": 14}
